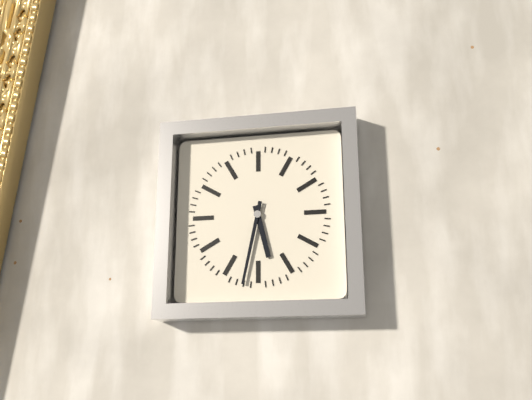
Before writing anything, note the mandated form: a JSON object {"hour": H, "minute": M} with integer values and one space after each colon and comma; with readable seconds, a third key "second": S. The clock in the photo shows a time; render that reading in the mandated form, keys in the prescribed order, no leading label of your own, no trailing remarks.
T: {"hour": 5, "minute": 32}
